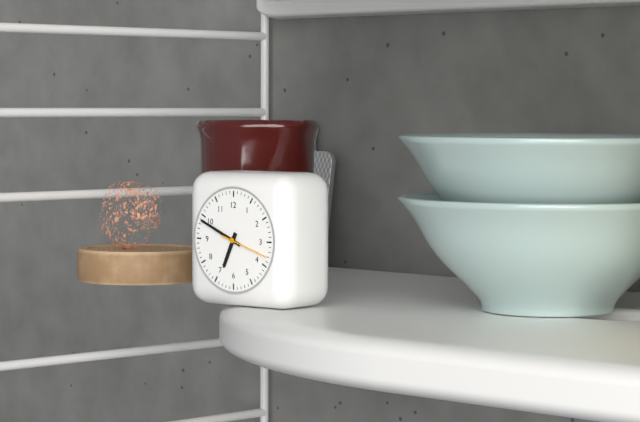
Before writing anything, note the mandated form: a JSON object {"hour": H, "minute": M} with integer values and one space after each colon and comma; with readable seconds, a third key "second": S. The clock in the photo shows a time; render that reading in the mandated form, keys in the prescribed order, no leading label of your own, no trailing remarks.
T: {"hour": 6, "minute": 49}
